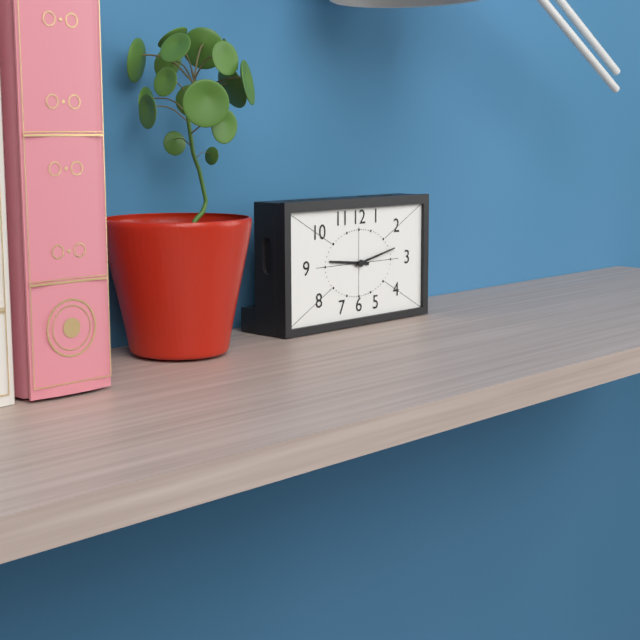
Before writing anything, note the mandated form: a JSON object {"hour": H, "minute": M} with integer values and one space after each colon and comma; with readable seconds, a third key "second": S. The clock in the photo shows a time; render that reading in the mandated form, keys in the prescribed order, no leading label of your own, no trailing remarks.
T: {"hour": 9, "minute": 13}
